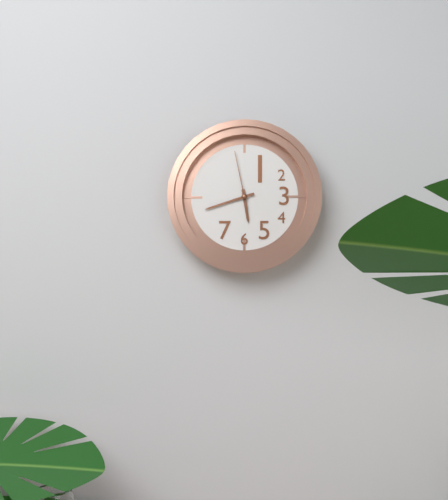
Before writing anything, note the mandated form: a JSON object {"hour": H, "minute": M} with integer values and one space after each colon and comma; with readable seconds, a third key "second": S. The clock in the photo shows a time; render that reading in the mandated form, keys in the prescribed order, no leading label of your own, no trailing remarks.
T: {"hour": 5, "minute": 42, "second": 58}
